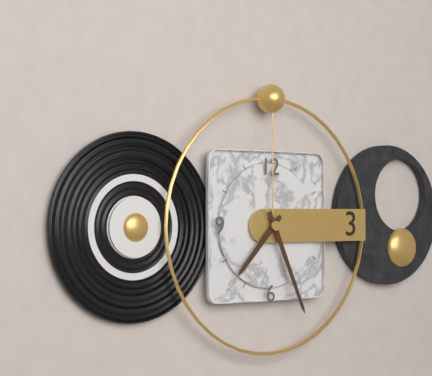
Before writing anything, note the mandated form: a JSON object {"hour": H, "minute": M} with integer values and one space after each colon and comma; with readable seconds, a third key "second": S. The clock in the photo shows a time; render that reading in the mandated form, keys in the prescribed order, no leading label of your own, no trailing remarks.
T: {"hour": 7, "minute": 26}
